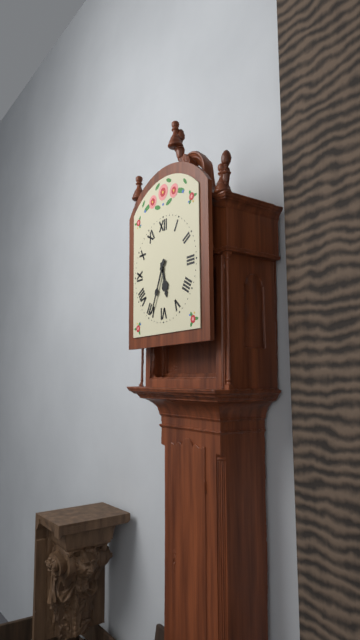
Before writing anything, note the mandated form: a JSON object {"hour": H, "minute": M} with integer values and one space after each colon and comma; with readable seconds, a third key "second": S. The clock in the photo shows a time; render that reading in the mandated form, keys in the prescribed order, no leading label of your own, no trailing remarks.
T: {"hour": 5, "minute": 34}
